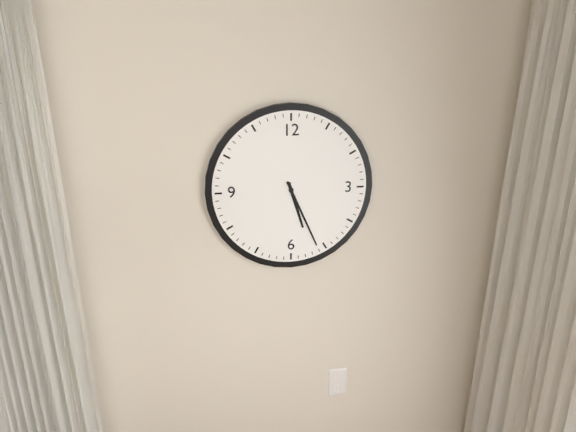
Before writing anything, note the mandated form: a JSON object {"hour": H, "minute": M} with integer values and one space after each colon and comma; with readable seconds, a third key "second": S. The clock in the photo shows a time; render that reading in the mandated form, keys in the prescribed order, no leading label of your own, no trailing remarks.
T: {"hour": 5, "minute": 26}
